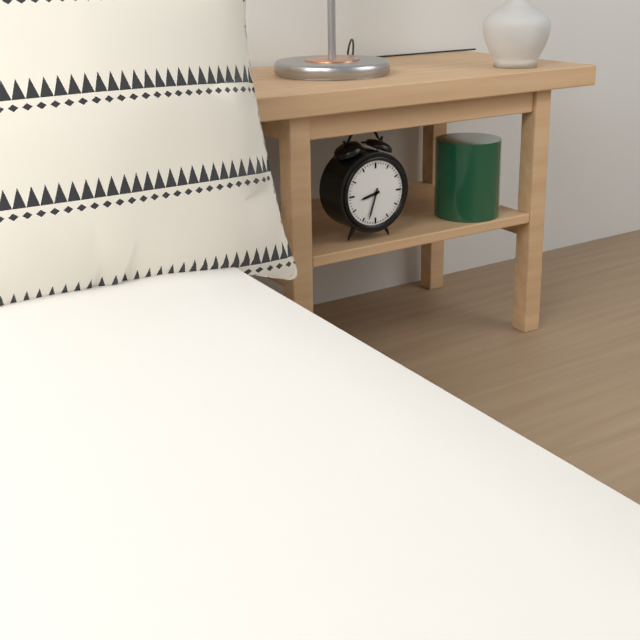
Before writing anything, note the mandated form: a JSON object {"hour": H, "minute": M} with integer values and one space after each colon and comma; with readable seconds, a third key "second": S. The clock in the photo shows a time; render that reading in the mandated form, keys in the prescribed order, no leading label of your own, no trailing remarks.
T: {"hour": 8, "minute": 33}
